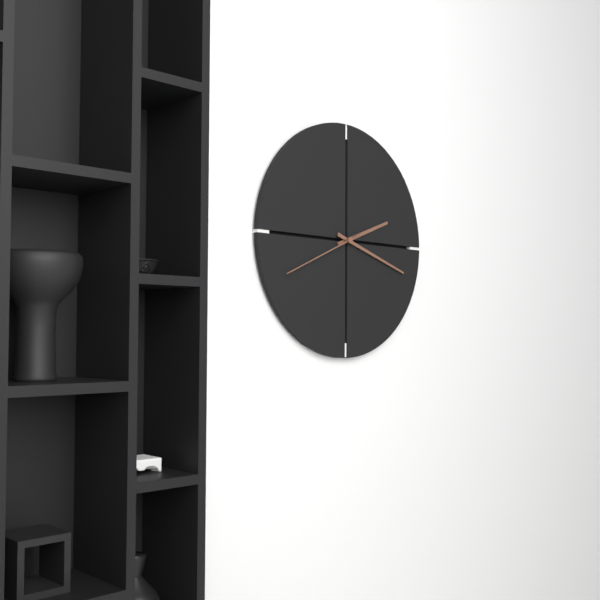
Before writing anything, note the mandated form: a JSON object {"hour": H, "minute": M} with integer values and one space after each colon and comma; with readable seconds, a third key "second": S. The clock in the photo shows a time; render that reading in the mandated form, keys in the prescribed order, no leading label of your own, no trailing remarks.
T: {"hour": 2, "minute": 18, "second": 41}
